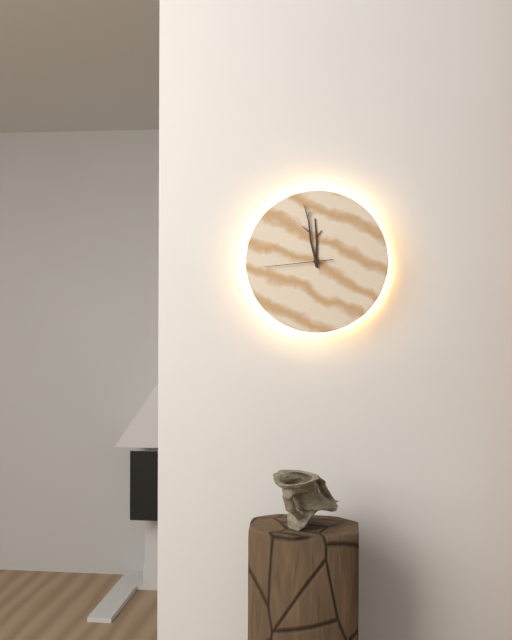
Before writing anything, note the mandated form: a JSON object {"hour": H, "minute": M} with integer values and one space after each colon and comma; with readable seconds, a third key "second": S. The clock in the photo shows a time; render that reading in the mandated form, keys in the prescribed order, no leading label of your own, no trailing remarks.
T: {"hour": 11, "minute": 58, "second": 44}
